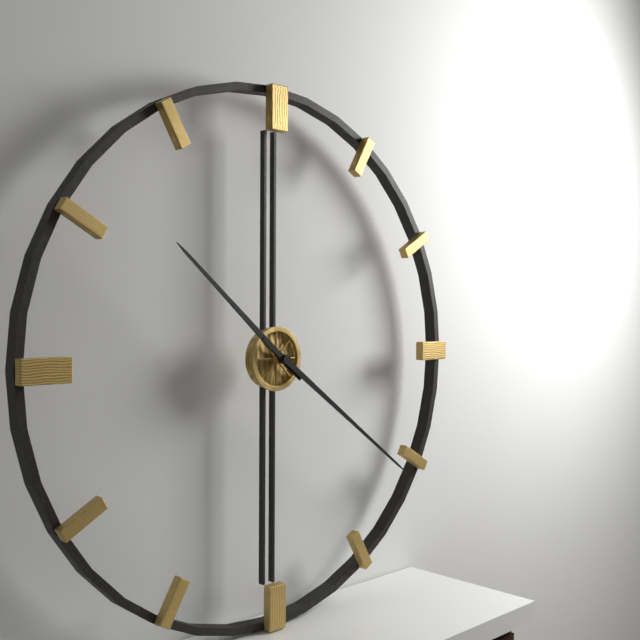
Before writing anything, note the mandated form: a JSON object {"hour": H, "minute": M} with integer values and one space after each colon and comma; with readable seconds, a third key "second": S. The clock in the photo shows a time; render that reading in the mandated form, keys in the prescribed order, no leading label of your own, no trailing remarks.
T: {"hour": 10, "minute": 21}
